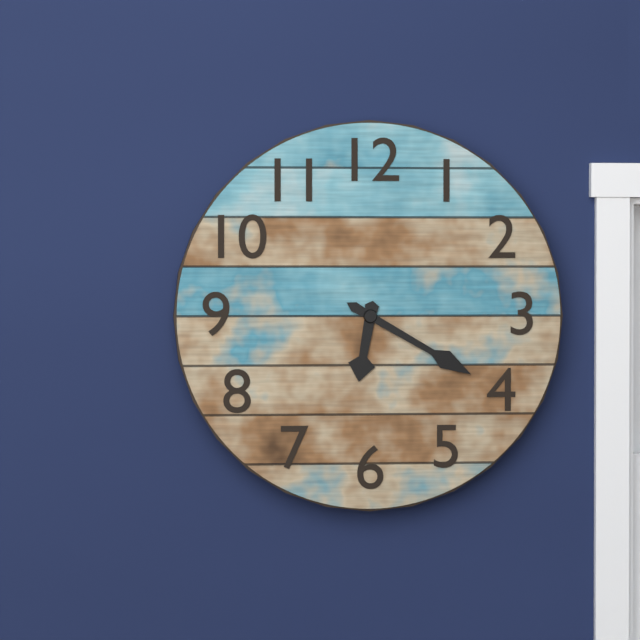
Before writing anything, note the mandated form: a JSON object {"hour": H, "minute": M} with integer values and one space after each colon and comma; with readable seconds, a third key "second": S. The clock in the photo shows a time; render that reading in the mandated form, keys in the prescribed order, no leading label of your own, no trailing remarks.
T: {"hour": 6, "minute": 20}
